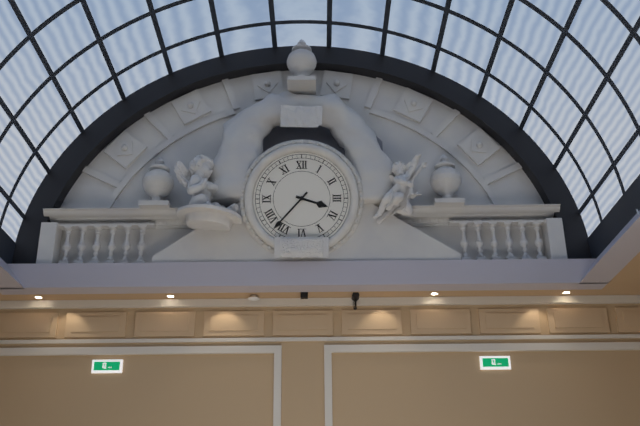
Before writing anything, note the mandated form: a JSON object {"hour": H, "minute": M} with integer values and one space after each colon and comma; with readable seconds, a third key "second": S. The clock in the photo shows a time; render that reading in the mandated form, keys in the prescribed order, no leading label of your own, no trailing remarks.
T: {"hour": 3, "minute": 37}
